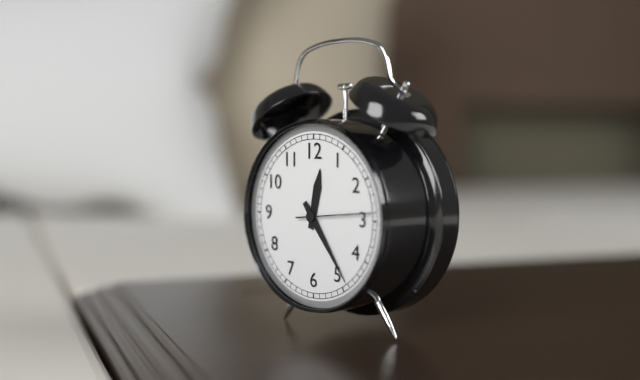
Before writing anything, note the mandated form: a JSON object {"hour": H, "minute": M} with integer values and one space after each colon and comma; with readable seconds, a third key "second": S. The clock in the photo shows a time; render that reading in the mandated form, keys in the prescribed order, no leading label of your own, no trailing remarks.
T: {"hour": 12, "minute": 24, "second": 14}
